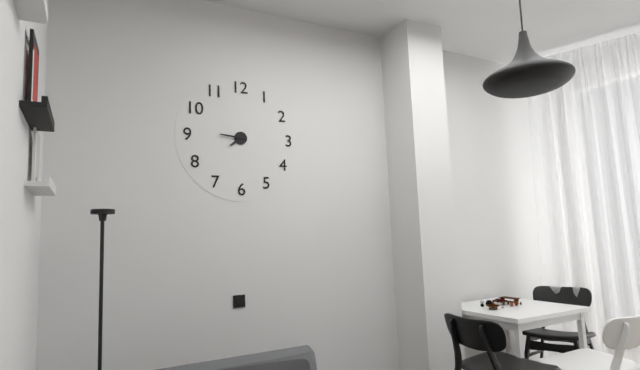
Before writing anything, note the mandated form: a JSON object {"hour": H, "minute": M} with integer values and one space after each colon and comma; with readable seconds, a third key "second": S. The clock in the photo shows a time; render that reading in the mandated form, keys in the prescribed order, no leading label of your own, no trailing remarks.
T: {"hour": 7, "minute": 46}
